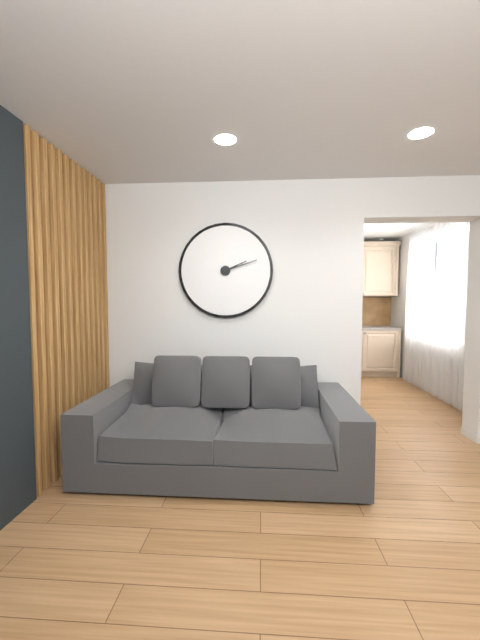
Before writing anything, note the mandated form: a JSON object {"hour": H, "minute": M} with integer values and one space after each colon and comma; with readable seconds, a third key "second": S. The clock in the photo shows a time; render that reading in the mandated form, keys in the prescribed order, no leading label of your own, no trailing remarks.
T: {"hour": 2, "minute": 12}
